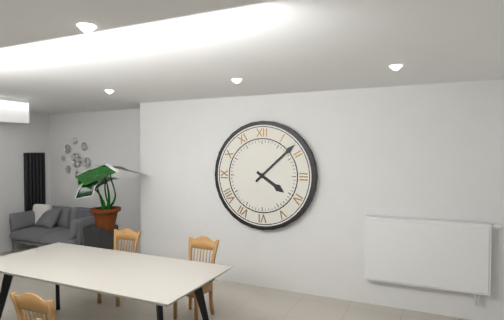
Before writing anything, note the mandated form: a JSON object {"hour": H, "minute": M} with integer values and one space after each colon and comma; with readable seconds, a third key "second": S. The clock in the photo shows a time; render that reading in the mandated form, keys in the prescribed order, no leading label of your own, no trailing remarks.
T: {"hour": 4, "minute": 8}
